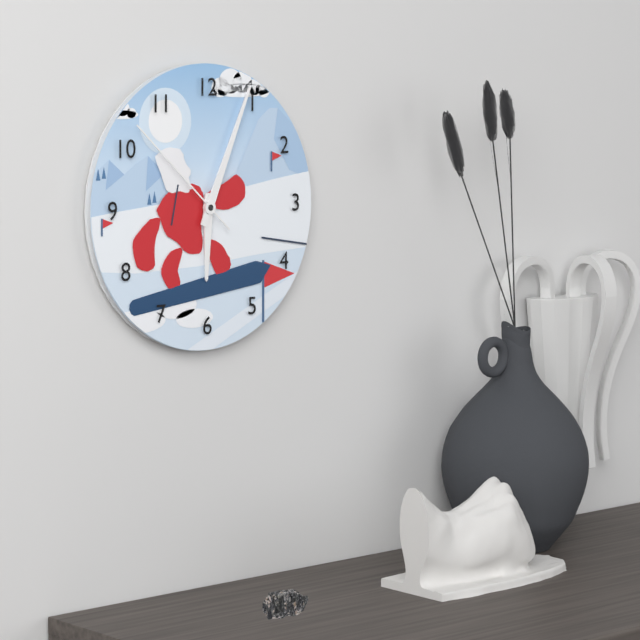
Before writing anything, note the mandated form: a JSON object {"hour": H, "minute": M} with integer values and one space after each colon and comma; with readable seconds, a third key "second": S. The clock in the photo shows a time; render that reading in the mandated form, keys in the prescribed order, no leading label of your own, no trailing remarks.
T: {"hour": 6, "minute": 4, "second": 52}
